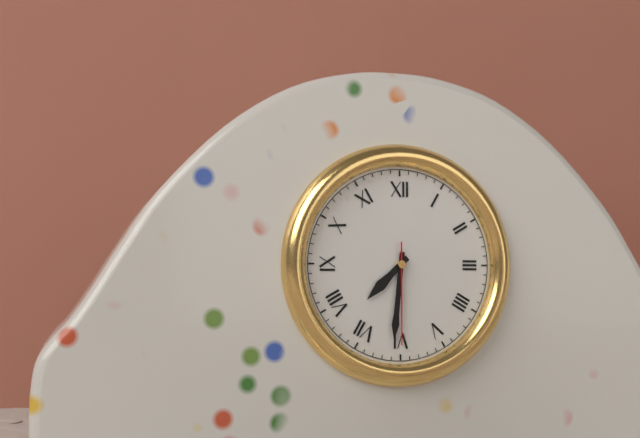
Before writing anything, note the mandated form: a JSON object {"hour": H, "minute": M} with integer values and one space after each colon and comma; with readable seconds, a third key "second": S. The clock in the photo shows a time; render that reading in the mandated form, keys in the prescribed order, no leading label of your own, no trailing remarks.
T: {"hour": 7, "minute": 31, "second": 30}
